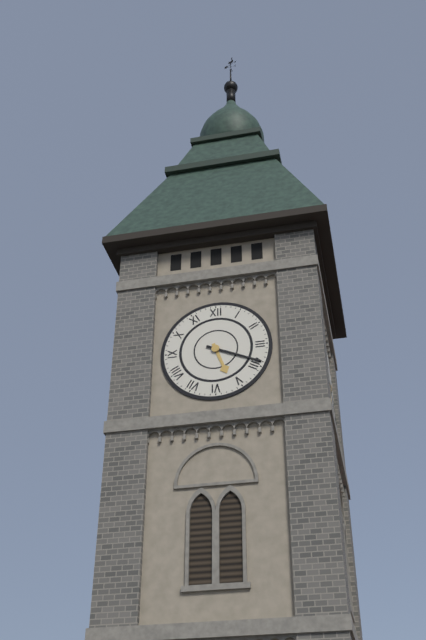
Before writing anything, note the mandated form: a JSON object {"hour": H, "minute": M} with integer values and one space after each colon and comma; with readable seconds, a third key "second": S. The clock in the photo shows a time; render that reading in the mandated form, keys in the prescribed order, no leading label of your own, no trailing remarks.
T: {"hour": 5, "minute": 19}
